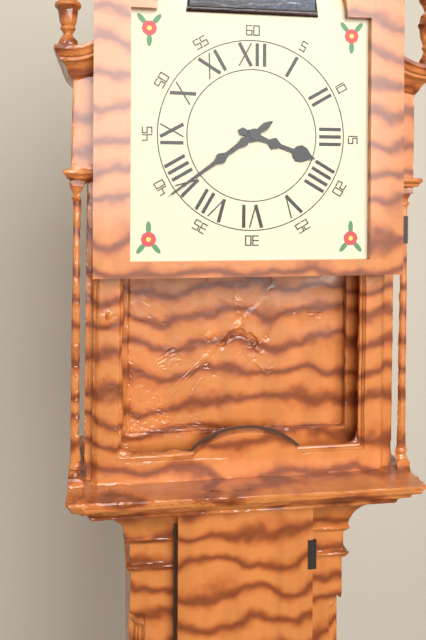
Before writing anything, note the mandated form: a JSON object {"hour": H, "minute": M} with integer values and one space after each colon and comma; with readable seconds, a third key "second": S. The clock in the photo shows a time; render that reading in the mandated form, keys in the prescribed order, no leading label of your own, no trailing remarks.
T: {"hour": 3, "minute": 39}
